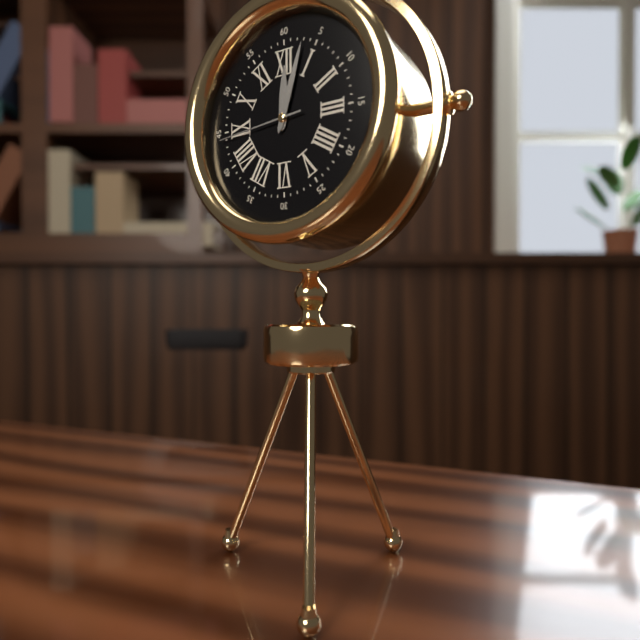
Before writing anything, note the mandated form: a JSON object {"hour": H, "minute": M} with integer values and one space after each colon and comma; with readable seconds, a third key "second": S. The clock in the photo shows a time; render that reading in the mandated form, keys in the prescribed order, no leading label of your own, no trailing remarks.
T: {"hour": 12, "minute": 3, "second": 44}
